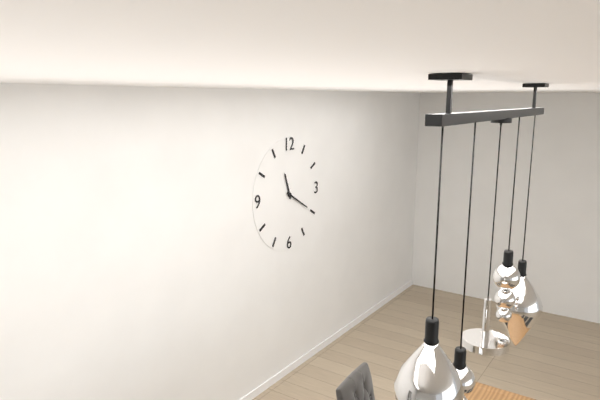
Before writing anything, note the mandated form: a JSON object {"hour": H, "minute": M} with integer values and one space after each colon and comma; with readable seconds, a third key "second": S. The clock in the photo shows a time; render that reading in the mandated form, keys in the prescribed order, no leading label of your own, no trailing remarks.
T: {"hour": 11, "minute": 20}
